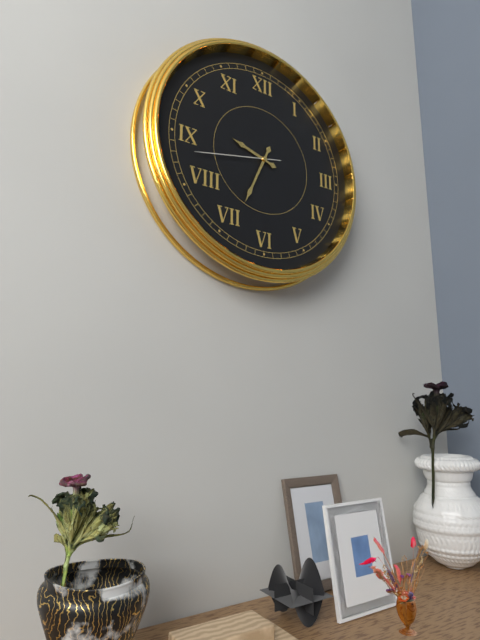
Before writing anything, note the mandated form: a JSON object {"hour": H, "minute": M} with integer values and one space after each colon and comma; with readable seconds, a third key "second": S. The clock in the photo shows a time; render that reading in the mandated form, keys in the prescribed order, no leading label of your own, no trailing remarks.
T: {"hour": 9, "minute": 34, "second": 43}
